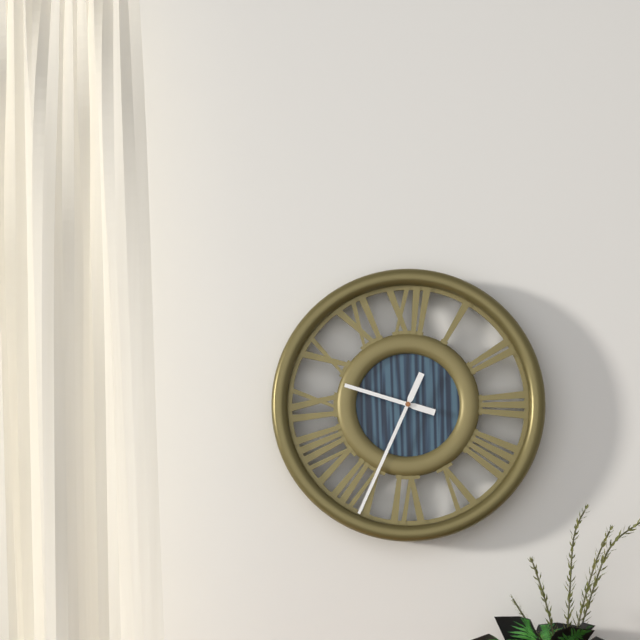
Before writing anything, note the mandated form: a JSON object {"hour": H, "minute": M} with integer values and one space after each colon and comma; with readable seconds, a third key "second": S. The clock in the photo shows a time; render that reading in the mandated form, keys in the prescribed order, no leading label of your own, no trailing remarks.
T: {"hour": 9, "minute": 34}
